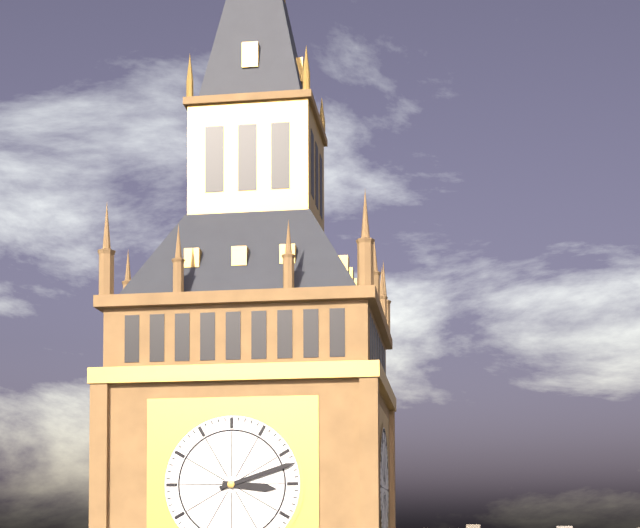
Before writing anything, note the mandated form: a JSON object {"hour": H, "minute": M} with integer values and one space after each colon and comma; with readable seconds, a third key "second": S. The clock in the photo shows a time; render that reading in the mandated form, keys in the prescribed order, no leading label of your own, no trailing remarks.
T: {"hour": 3, "minute": 12}
